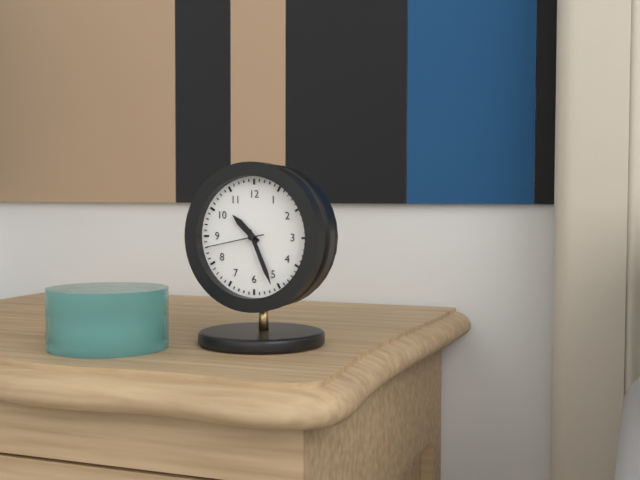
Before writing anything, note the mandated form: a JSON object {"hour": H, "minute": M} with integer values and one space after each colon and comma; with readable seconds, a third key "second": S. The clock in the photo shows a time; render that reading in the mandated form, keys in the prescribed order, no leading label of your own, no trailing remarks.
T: {"hour": 10, "minute": 26, "second": 43}
